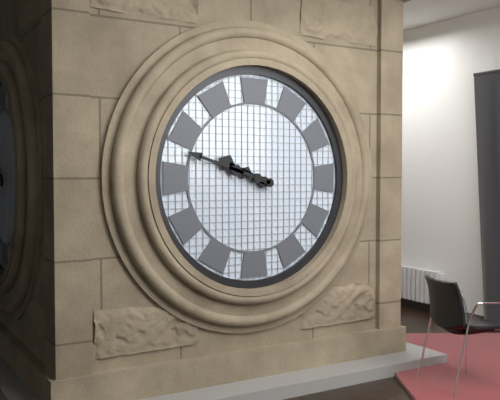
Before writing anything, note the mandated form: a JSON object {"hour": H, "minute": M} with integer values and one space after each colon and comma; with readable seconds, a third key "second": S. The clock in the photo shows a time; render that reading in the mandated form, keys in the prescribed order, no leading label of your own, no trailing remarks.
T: {"hour": 9, "minute": 48}
